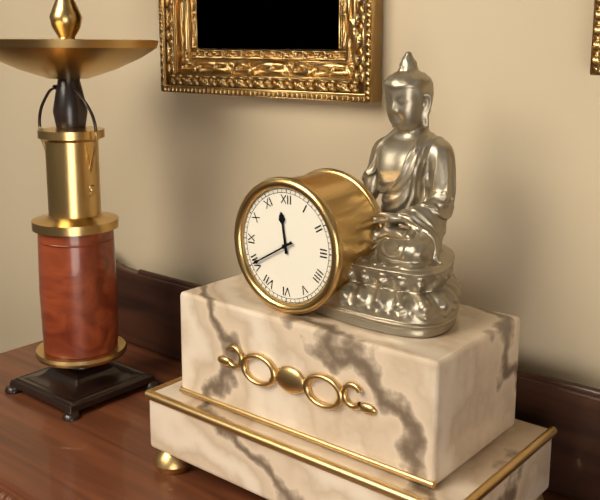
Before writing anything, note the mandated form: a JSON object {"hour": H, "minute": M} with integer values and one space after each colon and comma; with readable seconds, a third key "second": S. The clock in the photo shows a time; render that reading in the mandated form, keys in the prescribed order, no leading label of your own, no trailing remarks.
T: {"hour": 11, "minute": 40}
